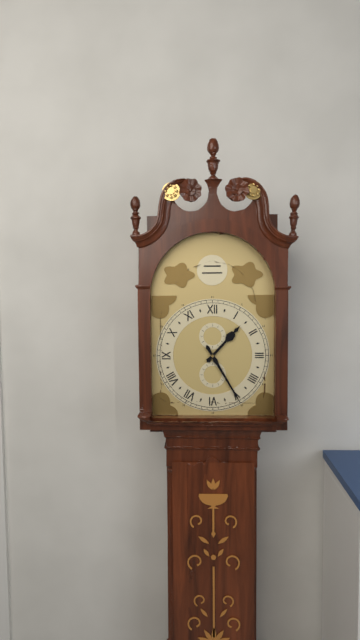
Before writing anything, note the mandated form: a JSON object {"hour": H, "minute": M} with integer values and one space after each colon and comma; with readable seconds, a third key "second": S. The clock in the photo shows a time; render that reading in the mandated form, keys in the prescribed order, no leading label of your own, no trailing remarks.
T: {"hour": 1, "minute": 25}
